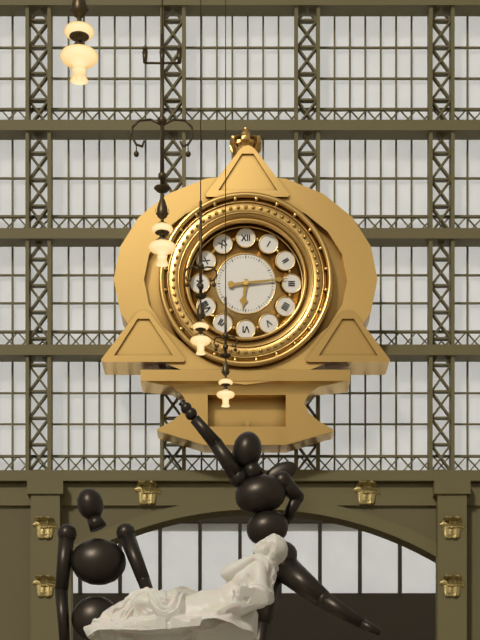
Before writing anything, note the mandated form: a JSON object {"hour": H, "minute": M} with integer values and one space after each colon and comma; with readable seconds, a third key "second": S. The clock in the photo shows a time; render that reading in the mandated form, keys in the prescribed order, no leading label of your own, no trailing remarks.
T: {"hour": 6, "minute": 14}
